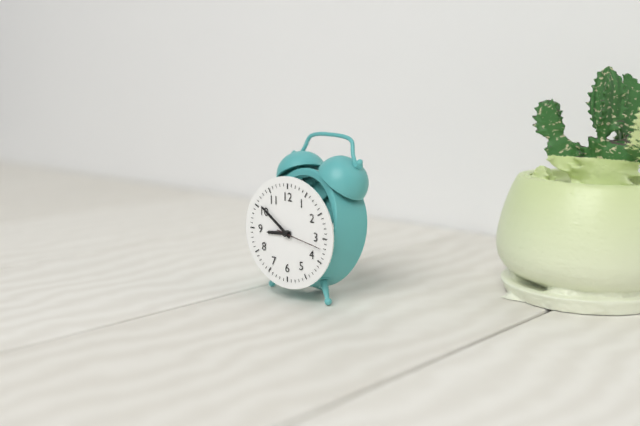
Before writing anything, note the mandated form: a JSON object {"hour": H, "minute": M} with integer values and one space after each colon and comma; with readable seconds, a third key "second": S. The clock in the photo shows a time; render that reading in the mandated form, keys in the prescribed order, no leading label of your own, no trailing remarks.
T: {"hour": 8, "minute": 51}
